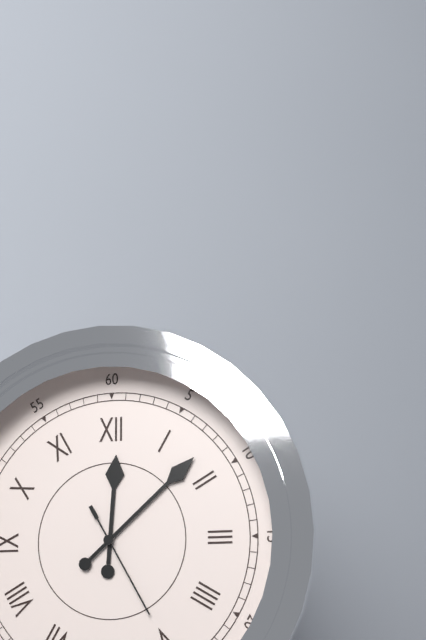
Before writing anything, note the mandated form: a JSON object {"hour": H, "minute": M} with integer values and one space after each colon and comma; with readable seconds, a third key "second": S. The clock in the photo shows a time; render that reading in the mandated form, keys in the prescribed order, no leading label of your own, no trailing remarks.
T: {"hour": 12, "minute": 8, "second": 25}
